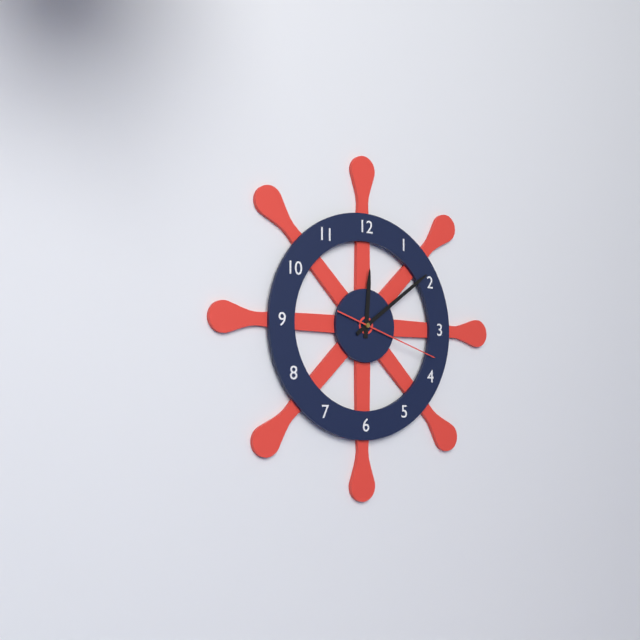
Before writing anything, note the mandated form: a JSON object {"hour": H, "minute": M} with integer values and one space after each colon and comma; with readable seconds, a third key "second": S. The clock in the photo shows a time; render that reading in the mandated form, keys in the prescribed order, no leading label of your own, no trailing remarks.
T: {"hour": 12, "minute": 9, "second": 18}
